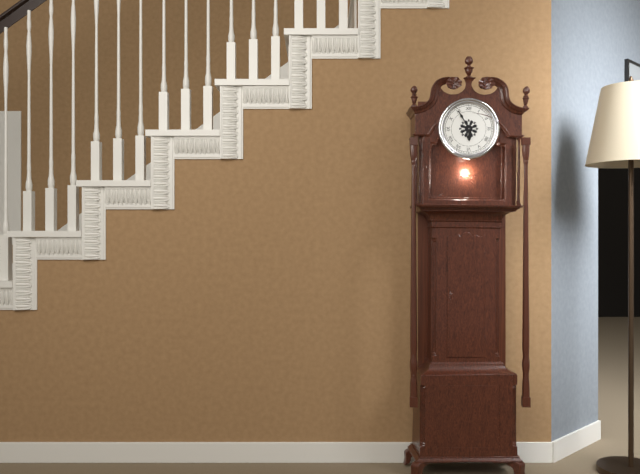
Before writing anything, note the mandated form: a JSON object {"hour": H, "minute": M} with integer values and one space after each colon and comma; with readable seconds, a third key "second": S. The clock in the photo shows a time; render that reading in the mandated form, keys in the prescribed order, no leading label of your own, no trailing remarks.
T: {"hour": 5, "minute": 55}
